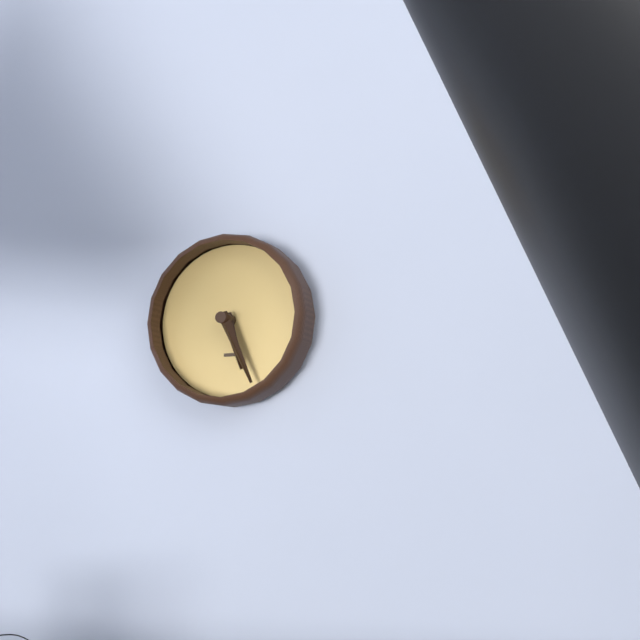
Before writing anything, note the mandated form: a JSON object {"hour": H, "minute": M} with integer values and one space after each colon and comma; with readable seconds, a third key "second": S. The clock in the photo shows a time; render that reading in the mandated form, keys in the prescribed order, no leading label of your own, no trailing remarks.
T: {"hour": 5, "minute": 26}
